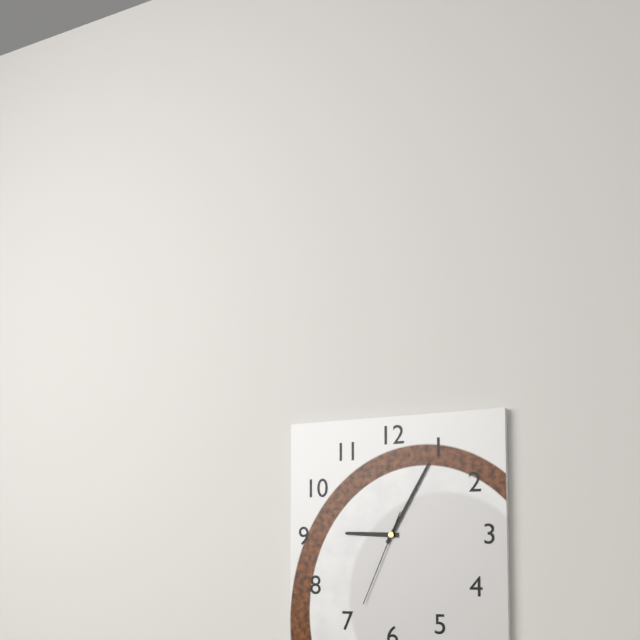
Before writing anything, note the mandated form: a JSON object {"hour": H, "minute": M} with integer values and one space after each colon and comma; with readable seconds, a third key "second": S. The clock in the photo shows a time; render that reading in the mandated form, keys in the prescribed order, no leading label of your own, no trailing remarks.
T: {"hour": 9, "minute": 5, "second": 34}
